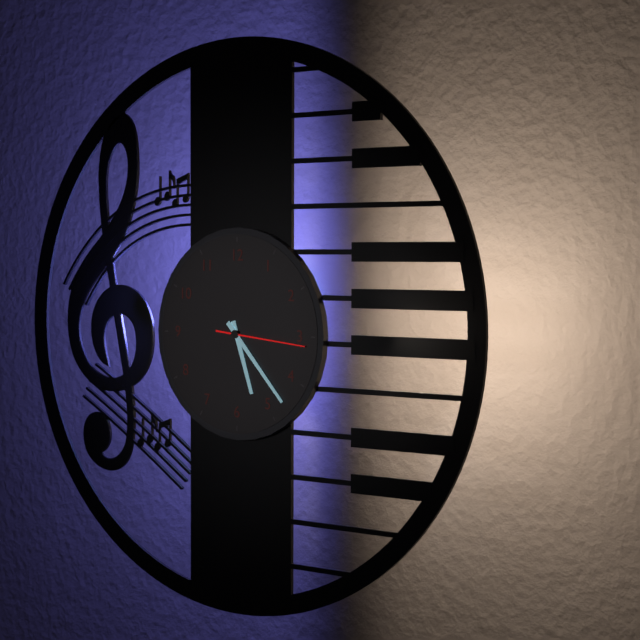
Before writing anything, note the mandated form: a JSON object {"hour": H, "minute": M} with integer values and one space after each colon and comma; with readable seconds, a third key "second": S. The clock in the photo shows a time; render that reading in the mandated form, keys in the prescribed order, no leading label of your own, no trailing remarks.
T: {"hour": 5, "minute": 23, "second": 16}
